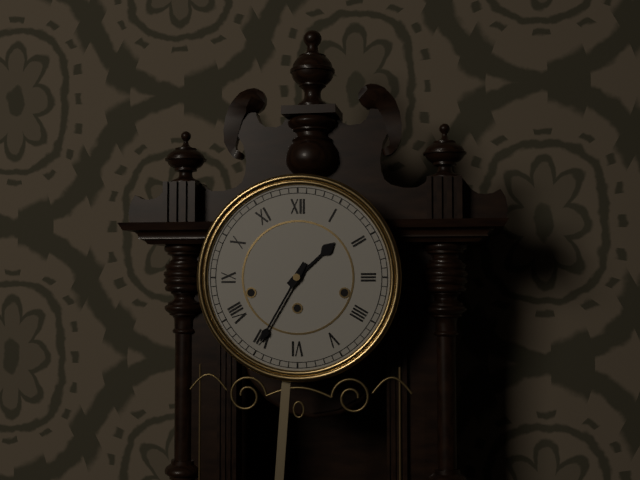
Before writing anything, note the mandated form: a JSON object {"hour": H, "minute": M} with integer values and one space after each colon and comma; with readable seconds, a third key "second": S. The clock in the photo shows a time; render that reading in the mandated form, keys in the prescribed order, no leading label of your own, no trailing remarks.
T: {"hour": 1, "minute": 35}
